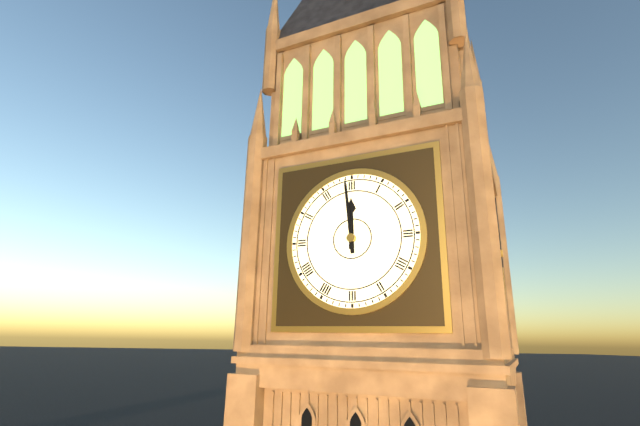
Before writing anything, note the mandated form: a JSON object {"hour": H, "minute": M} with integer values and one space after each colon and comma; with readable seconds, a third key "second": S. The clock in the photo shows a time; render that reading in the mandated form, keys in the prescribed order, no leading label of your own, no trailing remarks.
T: {"hour": 11, "minute": 59}
